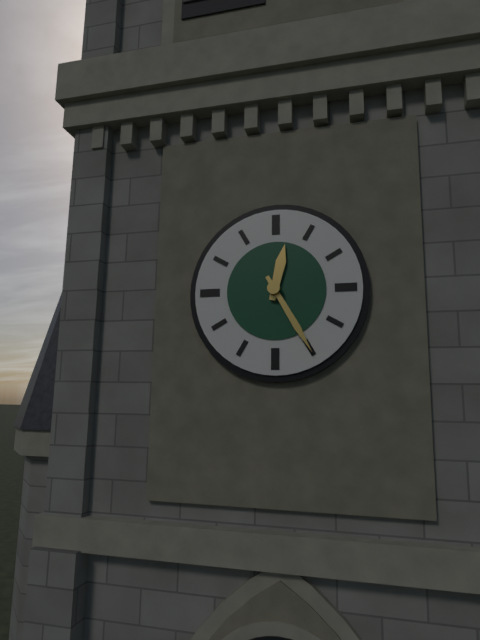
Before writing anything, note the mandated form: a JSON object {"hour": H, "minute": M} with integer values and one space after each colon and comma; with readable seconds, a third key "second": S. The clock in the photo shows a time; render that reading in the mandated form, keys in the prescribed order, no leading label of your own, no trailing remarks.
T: {"hour": 12, "minute": 25}
